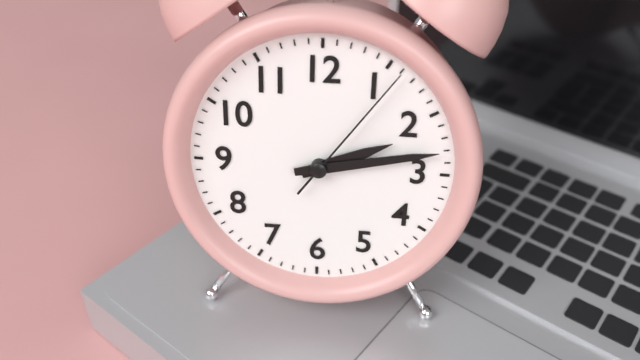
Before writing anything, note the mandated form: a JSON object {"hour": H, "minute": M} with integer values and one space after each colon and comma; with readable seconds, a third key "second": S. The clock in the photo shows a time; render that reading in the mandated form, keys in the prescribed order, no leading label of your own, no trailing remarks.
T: {"hour": 2, "minute": 13, "second": 6}
